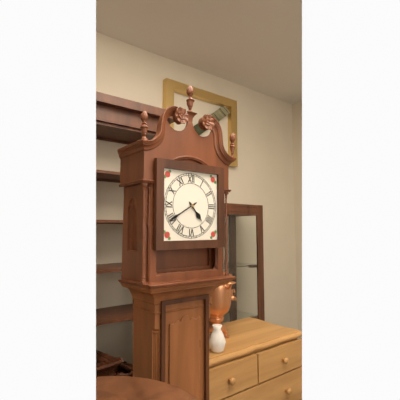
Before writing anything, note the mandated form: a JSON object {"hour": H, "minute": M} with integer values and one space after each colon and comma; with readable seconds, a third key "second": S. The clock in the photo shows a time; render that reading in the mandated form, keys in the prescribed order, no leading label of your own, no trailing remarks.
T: {"hour": 4, "minute": 40}
